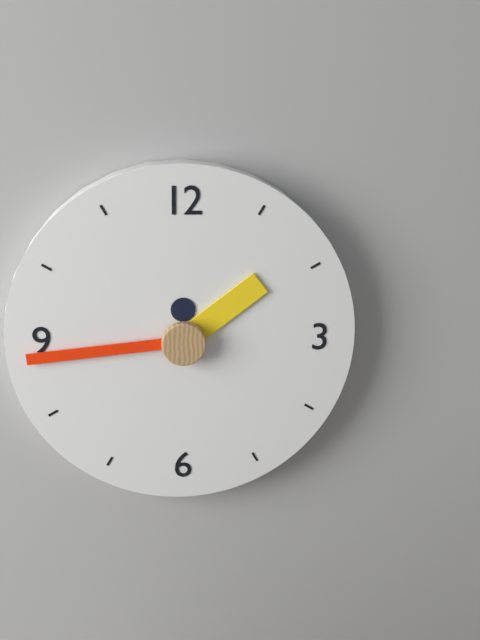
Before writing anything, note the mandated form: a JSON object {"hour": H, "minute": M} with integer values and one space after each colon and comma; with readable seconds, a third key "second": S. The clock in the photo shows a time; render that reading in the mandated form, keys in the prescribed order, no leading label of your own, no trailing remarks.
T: {"hour": 1, "minute": 44}
